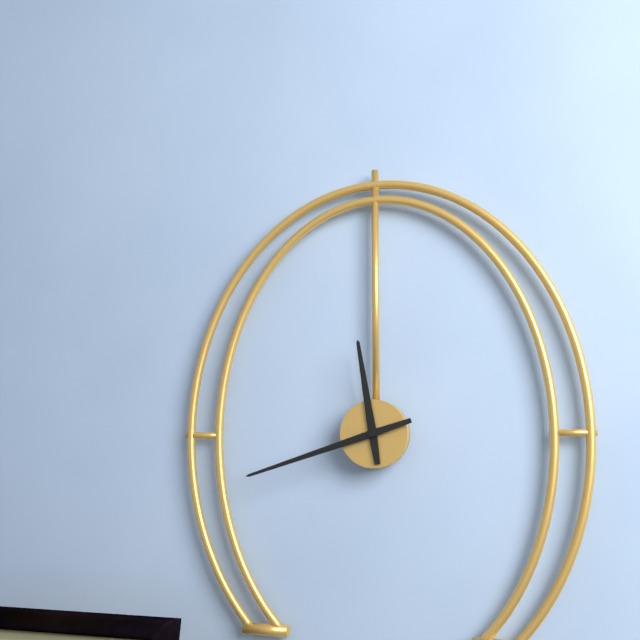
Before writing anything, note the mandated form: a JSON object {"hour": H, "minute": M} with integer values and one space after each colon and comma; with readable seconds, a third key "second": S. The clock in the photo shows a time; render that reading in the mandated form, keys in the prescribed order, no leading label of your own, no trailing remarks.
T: {"hour": 11, "minute": 42}
